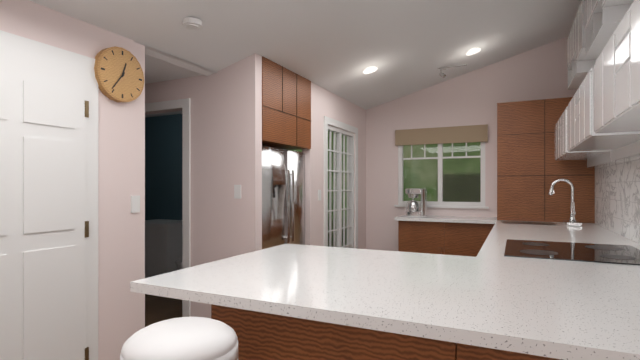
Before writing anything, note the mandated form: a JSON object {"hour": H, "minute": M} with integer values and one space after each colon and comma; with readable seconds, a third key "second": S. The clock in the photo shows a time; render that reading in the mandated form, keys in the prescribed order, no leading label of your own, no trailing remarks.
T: {"hour": 12, "minute": 36}
